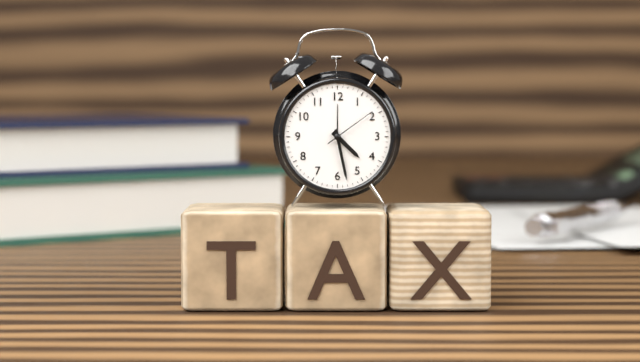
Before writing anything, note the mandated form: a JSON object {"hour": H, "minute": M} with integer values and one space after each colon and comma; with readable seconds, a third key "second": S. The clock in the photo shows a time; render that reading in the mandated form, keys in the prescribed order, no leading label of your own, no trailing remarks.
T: {"hour": 4, "minute": 28, "second": 9}
